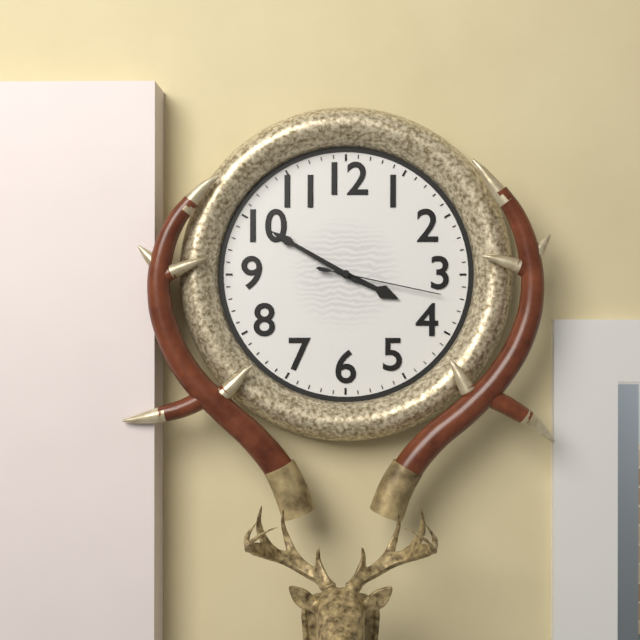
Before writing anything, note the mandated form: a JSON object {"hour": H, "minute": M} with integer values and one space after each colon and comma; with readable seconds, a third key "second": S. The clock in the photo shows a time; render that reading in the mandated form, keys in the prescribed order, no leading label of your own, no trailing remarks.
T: {"hour": 3, "minute": 50, "second": 17}
